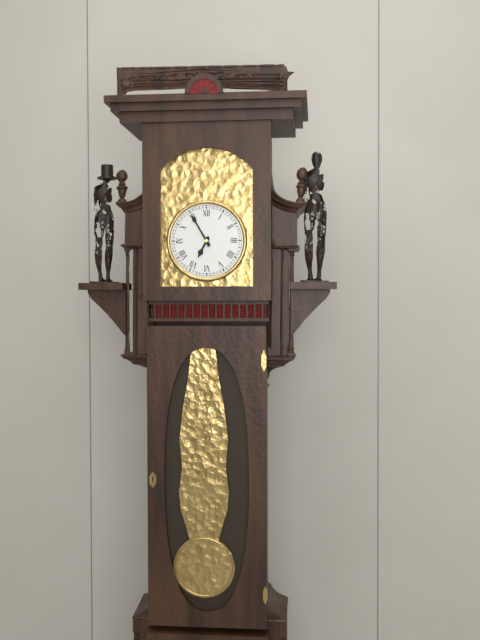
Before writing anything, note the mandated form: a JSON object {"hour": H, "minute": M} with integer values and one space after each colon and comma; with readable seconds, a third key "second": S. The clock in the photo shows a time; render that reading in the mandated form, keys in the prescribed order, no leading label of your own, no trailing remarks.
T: {"hour": 6, "minute": 55}
